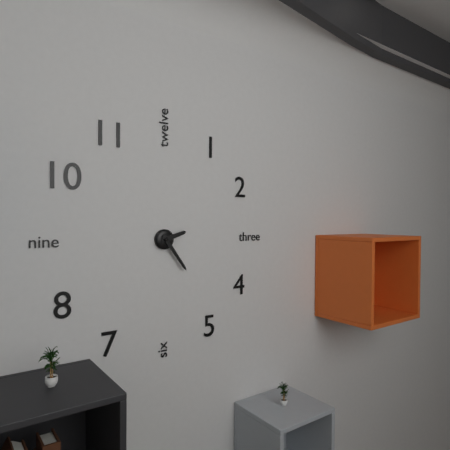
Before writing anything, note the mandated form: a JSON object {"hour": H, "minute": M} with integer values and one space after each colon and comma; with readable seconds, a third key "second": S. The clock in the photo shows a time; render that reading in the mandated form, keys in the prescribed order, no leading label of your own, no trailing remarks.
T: {"hour": 2, "minute": 24}
